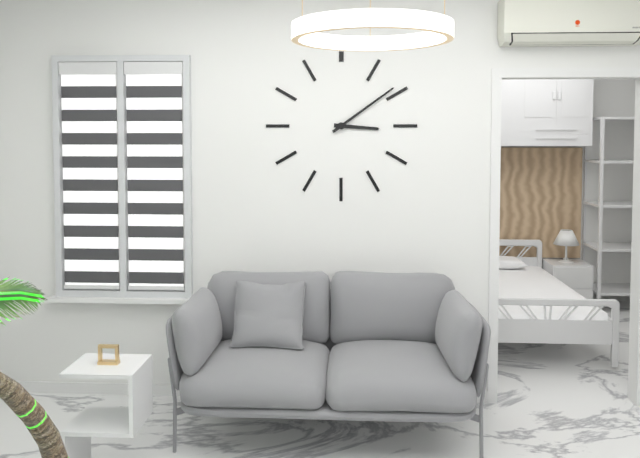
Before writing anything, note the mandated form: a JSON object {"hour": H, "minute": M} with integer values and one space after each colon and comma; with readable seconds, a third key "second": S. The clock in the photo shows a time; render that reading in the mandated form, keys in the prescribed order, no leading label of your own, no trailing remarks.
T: {"hour": 3, "minute": 9}
